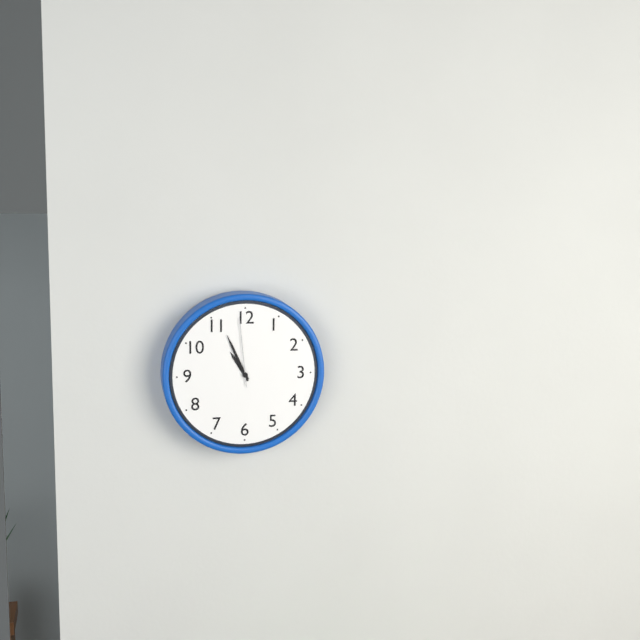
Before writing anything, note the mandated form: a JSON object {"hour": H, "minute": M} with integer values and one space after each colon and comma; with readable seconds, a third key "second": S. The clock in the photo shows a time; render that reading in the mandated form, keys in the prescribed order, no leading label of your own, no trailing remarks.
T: {"hour": 10, "minute": 56, "second": 59}
